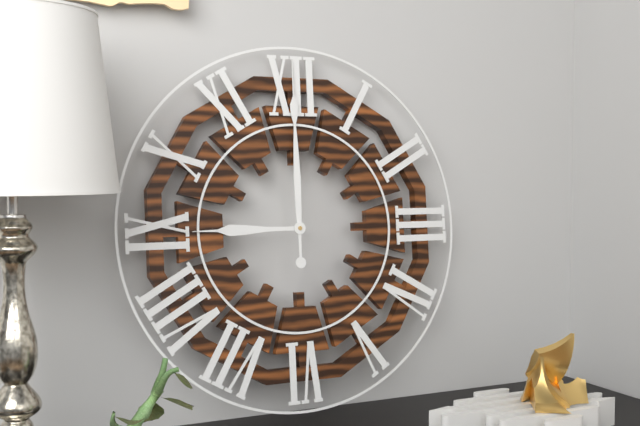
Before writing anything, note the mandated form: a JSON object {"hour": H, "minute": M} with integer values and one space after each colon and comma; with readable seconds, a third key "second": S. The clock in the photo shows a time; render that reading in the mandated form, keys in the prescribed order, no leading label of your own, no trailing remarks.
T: {"hour": 9, "minute": 0}
